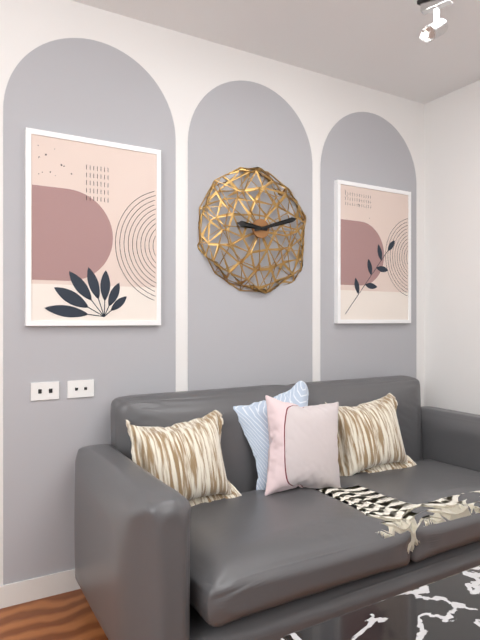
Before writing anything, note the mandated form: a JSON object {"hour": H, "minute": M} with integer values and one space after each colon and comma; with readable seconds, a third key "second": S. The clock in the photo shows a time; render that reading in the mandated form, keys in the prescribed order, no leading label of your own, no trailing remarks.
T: {"hour": 9, "minute": 12}
